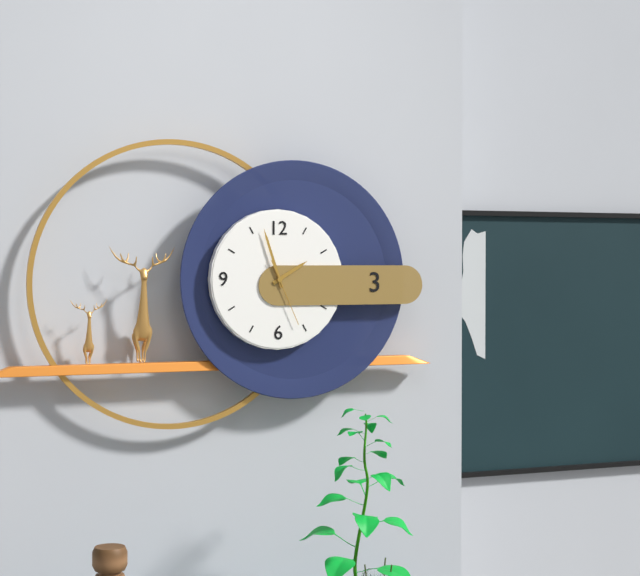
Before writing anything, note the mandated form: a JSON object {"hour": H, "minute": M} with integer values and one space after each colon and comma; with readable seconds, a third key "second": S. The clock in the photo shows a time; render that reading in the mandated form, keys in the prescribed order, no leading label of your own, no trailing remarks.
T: {"hour": 1, "minute": 57, "second": 26}
